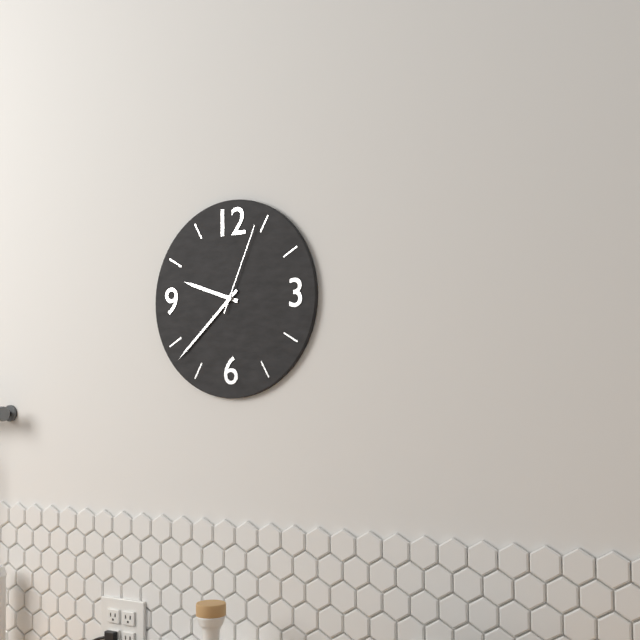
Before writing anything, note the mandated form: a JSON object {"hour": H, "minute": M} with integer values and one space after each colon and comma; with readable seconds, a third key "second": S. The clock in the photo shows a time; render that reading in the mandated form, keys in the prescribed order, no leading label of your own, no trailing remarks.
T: {"hour": 9, "minute": 38, "second": 4}
